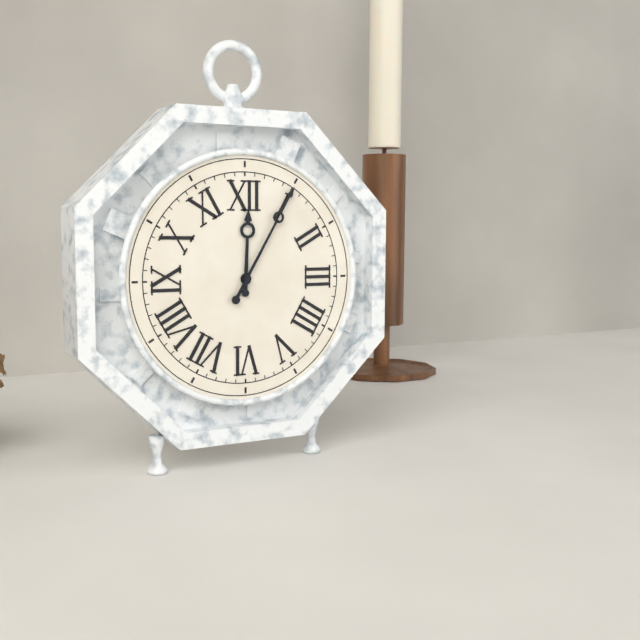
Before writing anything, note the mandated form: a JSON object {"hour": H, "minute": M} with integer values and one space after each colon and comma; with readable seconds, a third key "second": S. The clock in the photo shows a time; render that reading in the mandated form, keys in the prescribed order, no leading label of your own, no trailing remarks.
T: {"hour": 12, "minute": 5}
